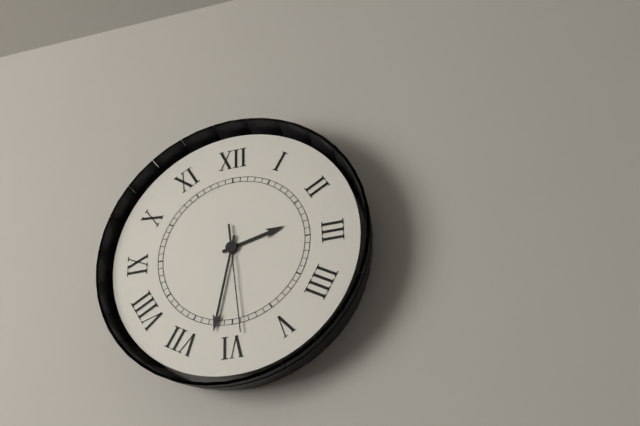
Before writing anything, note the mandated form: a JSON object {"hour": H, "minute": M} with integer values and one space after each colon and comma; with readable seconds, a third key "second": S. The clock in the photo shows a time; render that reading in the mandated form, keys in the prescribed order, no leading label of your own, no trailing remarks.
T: {"hour": 2, "minute": 32, "second": 29}
